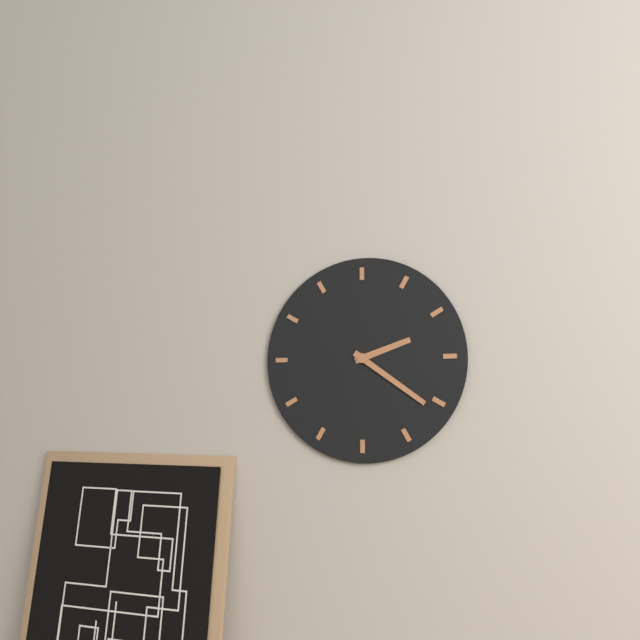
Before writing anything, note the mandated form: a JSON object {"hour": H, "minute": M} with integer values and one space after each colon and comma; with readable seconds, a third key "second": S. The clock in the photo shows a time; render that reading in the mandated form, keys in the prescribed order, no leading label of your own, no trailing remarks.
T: {"hour": 2, "minute": 21}
